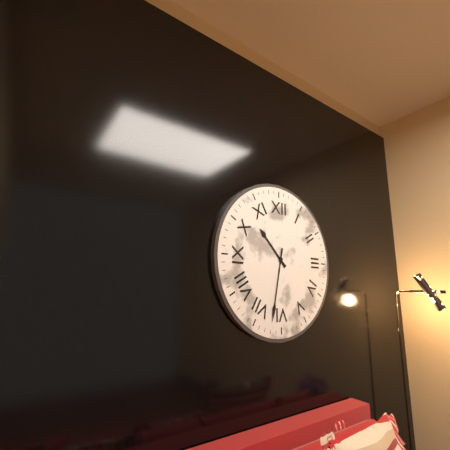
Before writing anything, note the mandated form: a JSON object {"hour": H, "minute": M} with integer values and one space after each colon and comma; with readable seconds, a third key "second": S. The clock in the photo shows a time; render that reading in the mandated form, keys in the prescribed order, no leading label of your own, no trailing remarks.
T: {"hour": 10, "minute": 32}
